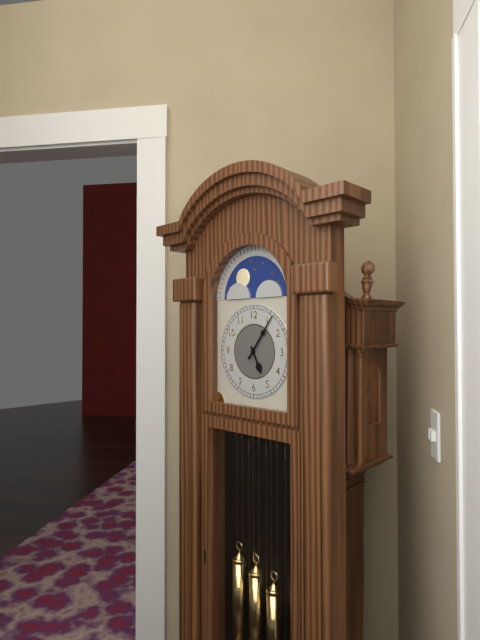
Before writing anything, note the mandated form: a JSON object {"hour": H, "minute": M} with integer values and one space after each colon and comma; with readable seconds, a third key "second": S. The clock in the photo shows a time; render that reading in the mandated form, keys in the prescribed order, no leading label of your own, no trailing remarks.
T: {"hour": 5, "minute": 6}
